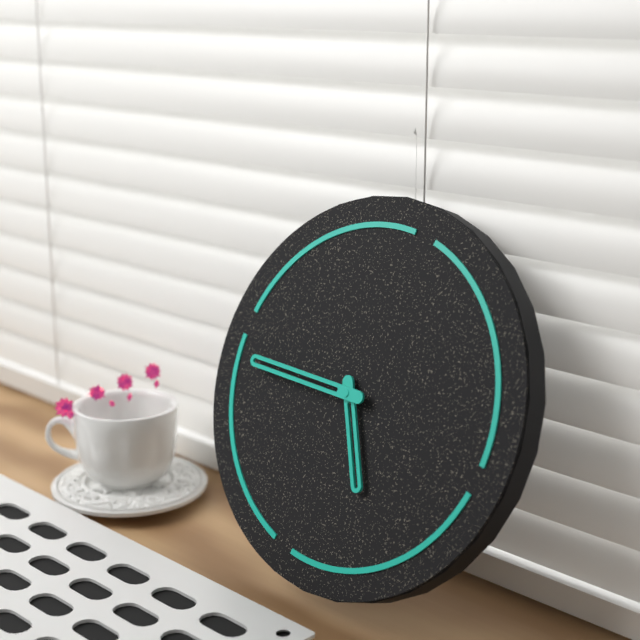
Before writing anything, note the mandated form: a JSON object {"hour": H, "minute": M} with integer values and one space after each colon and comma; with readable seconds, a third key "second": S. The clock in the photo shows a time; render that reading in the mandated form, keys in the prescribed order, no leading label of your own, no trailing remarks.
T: {"hour": 4, "minute": 43}
